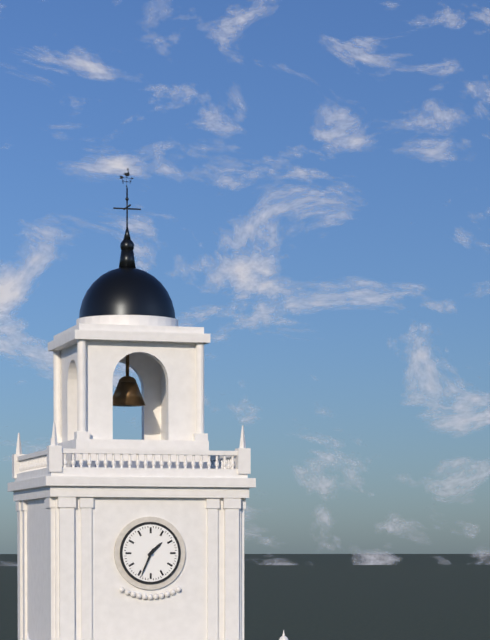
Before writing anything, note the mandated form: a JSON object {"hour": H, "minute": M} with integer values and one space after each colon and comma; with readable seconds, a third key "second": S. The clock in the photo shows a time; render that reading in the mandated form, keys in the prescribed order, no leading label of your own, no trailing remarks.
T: {"hour": 1, "minute": 34}
